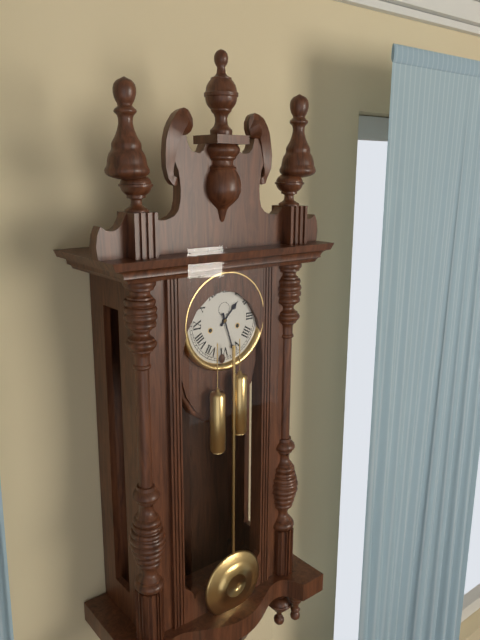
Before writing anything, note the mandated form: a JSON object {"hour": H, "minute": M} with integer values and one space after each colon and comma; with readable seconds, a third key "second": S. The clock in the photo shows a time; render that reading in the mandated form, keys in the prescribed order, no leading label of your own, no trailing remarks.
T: {"hour": 1, "minute": 27}
